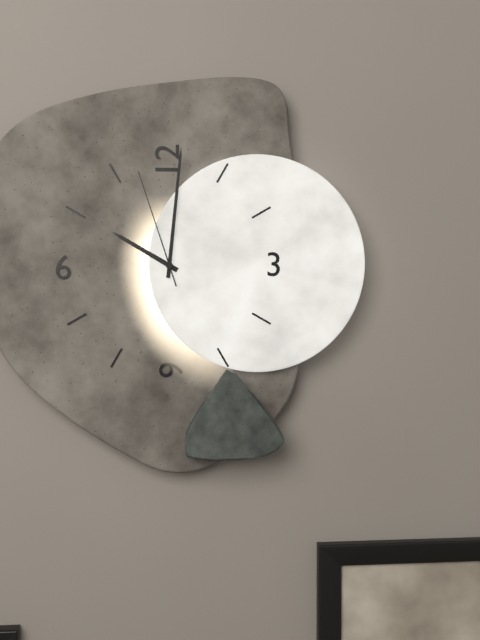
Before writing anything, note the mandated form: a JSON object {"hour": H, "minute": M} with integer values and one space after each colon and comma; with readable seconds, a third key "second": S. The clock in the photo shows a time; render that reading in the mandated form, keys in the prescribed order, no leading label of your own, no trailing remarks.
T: {"hour": 10, "minute": 1, "second": 57}
